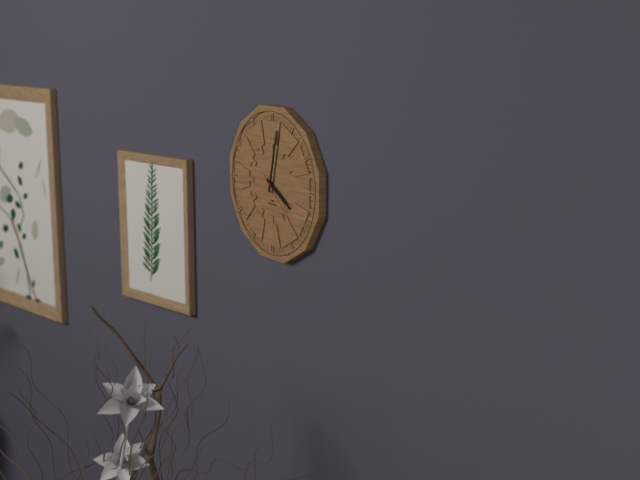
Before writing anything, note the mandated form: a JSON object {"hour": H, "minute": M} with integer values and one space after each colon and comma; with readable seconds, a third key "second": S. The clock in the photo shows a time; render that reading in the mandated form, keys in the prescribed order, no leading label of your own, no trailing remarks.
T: {"hour": 4, "minute": 2, "second": 22}
